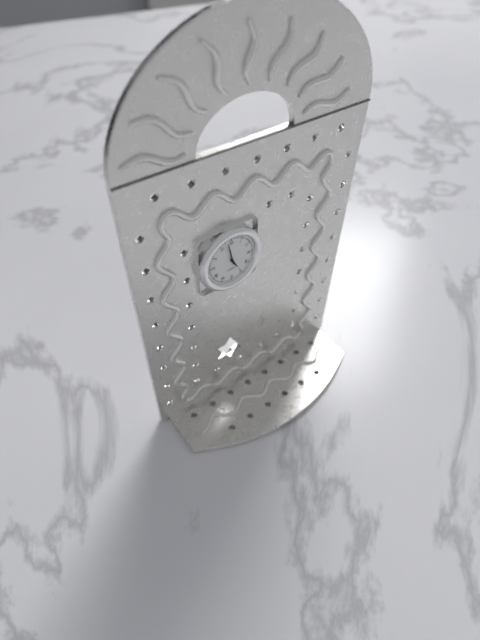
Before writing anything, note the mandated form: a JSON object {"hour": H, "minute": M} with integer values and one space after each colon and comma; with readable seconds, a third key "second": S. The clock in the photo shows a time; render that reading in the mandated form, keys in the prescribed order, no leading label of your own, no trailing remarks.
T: {"hour": 4, "minute": 58}
